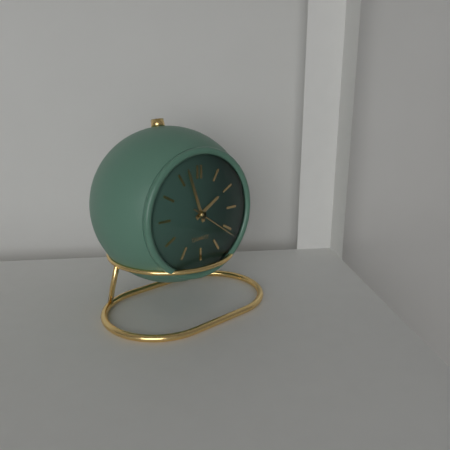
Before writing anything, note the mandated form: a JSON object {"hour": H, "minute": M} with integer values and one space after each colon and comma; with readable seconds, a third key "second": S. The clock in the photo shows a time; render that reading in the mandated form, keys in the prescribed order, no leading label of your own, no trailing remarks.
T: {"hour": 1, "minute": 57}
